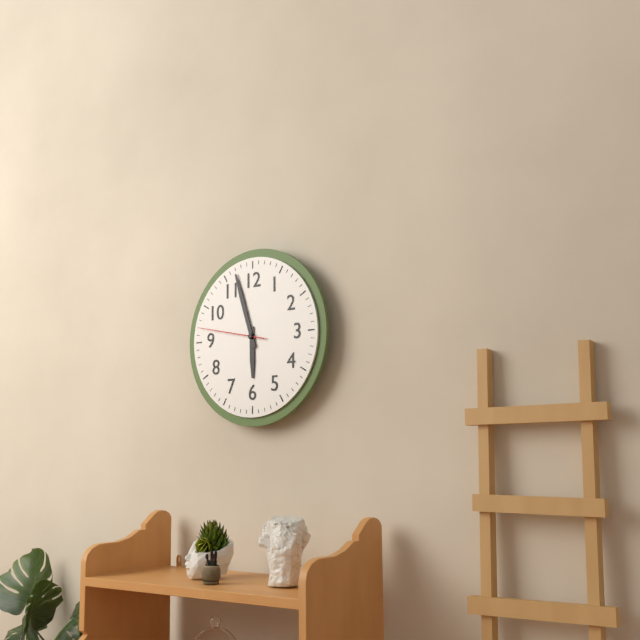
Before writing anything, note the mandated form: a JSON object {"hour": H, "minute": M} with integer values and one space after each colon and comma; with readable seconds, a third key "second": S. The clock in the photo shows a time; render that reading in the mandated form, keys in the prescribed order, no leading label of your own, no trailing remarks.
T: {"hour": 5, "minute": 57, "second": 47}
